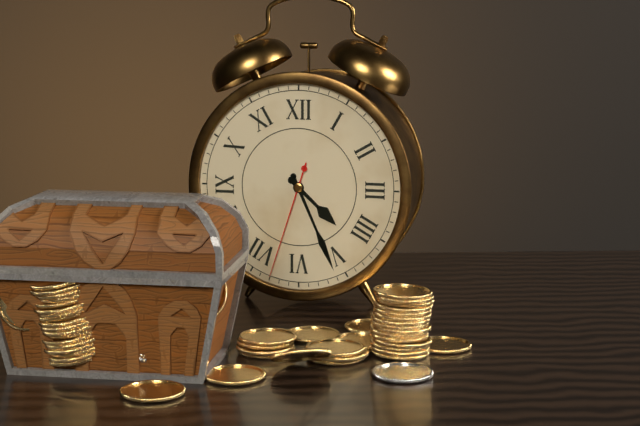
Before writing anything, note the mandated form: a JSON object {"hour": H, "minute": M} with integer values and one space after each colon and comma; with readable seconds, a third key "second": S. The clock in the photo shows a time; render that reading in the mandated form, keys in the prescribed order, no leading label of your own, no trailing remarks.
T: {"hour": 4, "minute": 26, "second": 33}
